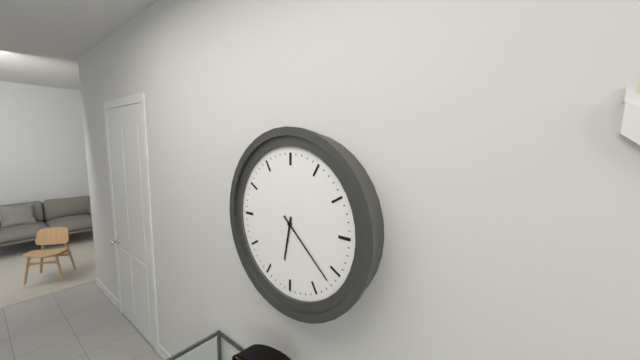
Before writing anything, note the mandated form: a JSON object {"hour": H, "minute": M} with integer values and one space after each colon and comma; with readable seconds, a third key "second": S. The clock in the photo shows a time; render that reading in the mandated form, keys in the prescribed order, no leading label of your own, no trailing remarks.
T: {"hour": 6, "minute": 22}
